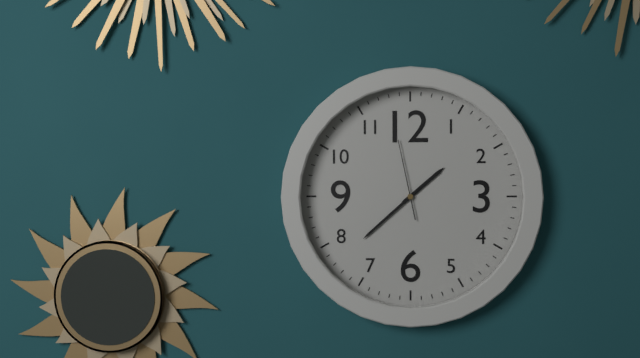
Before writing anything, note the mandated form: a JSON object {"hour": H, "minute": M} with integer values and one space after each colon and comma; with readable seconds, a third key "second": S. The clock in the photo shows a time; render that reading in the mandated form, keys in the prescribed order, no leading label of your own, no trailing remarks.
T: {"hour": 1, "minute": 38, "second": 58}
